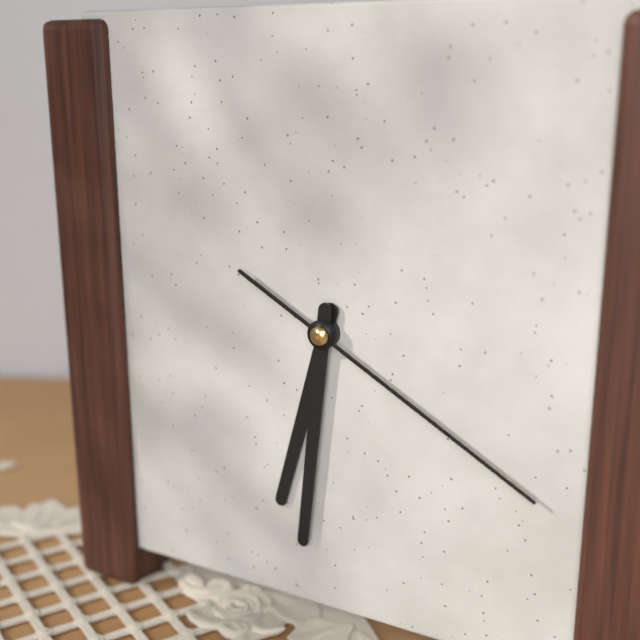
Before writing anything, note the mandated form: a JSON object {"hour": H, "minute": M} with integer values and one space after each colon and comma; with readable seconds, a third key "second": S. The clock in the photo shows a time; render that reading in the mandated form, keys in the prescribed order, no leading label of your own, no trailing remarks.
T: {"hour": 6, "minute": 31, "second": 20}
